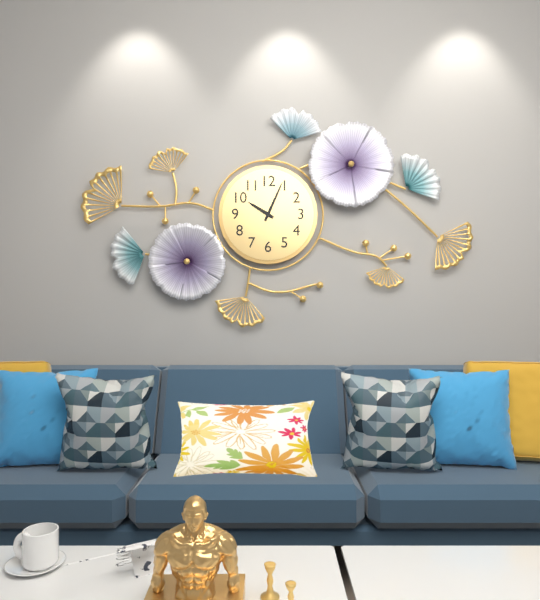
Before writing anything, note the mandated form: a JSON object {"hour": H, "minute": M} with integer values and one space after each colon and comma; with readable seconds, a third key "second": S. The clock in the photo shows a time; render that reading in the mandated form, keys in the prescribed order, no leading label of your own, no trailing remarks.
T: {"hour": 10, "minute": 4}
